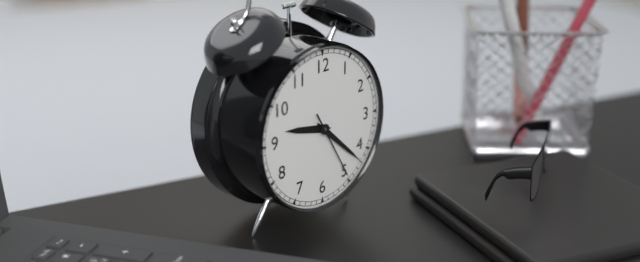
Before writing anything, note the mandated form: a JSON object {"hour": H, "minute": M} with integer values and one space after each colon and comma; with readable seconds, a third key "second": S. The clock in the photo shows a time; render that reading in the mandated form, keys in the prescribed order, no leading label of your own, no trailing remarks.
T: {"hour": 9, "minute": 22, "second": 25}
